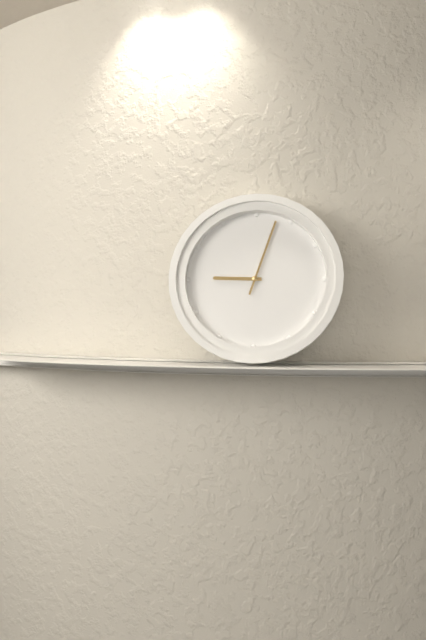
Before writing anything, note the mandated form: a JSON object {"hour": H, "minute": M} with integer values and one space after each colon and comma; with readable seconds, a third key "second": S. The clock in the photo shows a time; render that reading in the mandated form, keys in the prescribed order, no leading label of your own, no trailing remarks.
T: {"hour": 9, "minute": 3}
